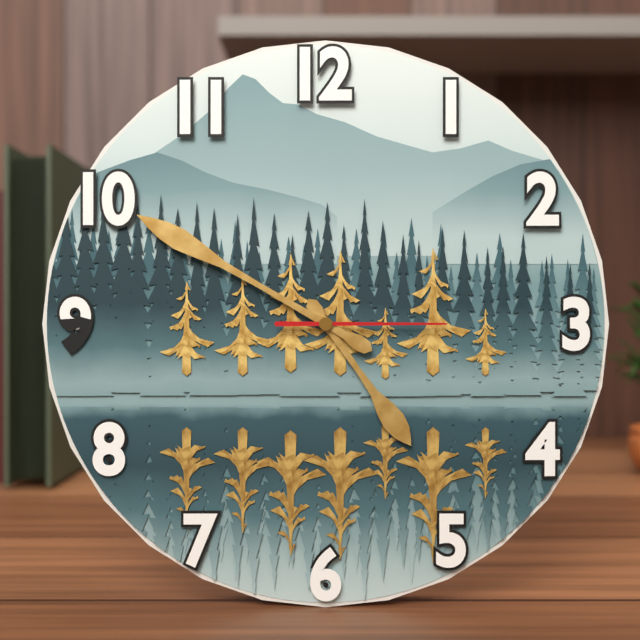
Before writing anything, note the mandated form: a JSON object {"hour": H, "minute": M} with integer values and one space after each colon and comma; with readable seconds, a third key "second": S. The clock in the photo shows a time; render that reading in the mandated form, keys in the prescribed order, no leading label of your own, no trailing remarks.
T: {"hour": 4, "minute": 50, "second": 15}
